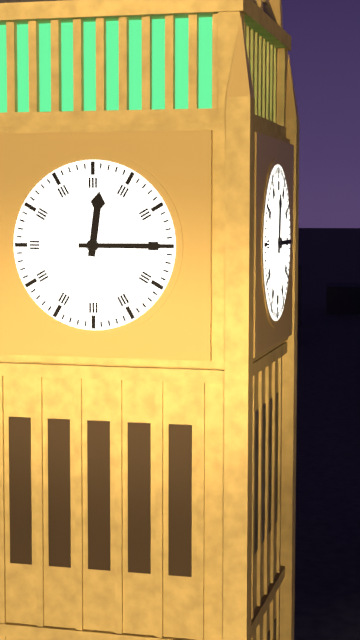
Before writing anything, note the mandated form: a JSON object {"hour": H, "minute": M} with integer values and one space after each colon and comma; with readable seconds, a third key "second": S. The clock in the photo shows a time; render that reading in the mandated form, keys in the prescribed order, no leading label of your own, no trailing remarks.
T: {"hour": 12, "minute": 15}
